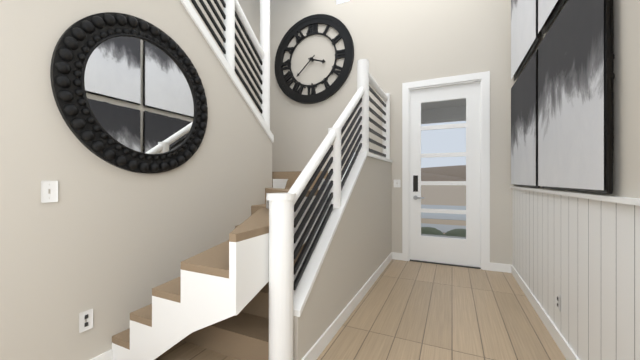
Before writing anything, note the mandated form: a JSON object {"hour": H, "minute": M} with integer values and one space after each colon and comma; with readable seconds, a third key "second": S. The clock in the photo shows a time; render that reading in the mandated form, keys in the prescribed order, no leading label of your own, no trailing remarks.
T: {"hour": 3, "minute": 38}
